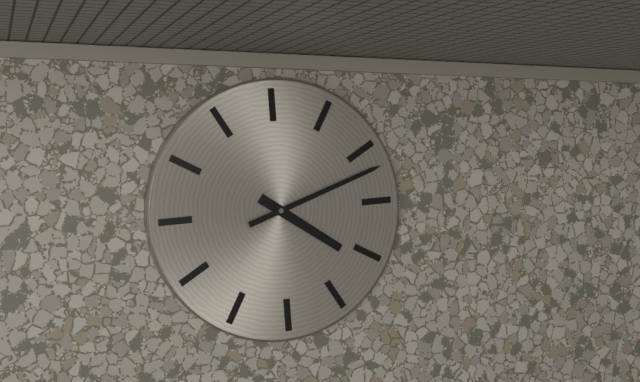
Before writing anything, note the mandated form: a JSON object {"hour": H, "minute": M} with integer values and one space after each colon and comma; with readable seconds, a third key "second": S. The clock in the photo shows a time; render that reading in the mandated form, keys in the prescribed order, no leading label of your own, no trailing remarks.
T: {"hour": 4, "minute": 12}
